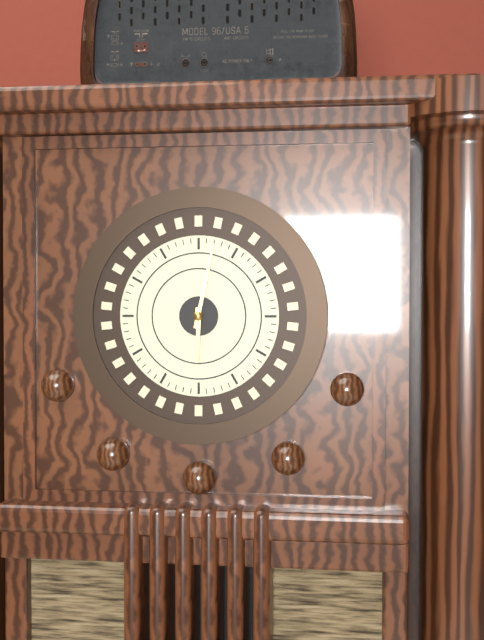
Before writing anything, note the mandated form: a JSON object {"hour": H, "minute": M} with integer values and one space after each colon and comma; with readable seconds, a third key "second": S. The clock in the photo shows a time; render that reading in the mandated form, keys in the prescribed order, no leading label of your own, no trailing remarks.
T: {"hour": 6, "minute": 2}
